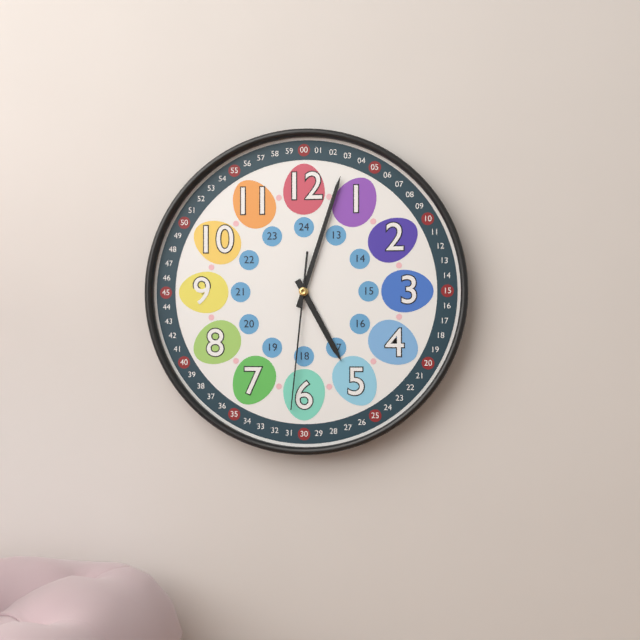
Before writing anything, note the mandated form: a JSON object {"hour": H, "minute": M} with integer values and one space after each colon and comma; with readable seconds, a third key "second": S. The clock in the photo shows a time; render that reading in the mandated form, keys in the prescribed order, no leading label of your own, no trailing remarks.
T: {"hour": 5, "minute": 3, "second": 31}
